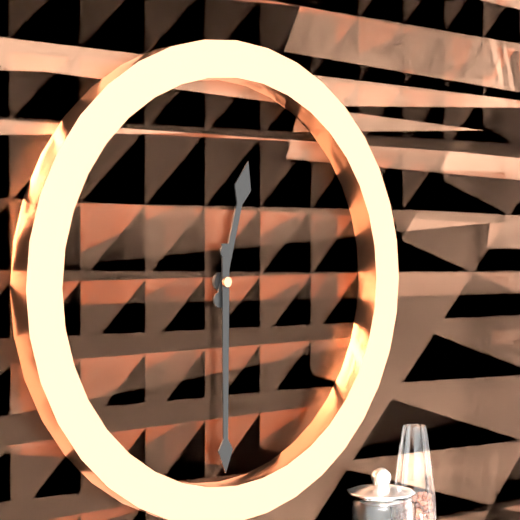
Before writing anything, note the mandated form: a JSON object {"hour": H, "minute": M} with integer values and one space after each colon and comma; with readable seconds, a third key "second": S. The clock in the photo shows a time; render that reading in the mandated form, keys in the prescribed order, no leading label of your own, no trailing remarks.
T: {"hour": 12, "minute": 30}
